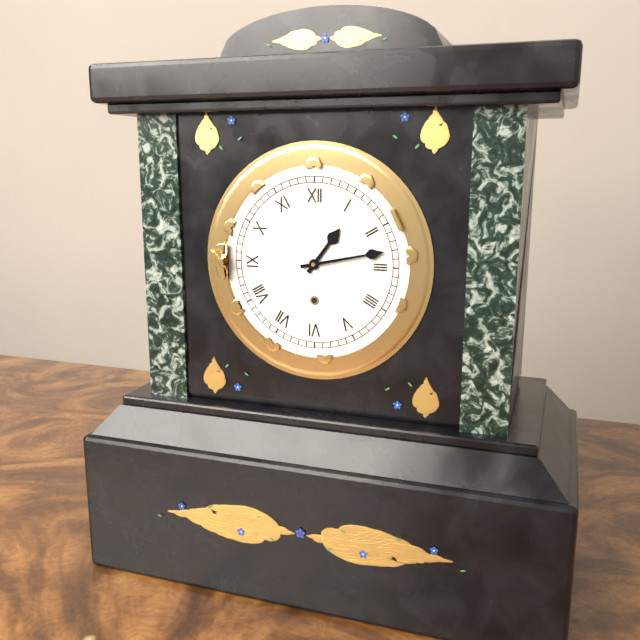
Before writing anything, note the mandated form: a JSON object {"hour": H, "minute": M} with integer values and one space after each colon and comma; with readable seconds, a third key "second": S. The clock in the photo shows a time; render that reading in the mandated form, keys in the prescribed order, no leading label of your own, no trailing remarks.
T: {"hour": 1, "minute": 13}
